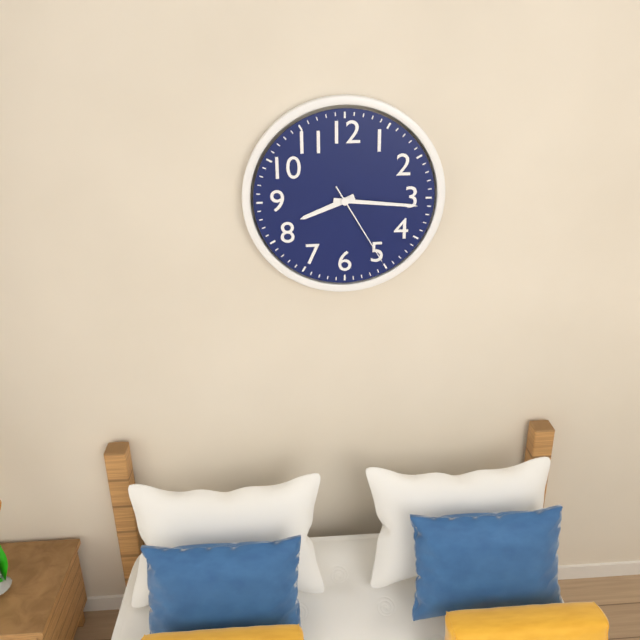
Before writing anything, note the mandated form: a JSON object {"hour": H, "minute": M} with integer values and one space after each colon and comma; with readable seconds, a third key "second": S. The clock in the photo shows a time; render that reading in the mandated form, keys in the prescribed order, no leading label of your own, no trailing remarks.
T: {"hour": 8, "minute": 16, "second": 25}
